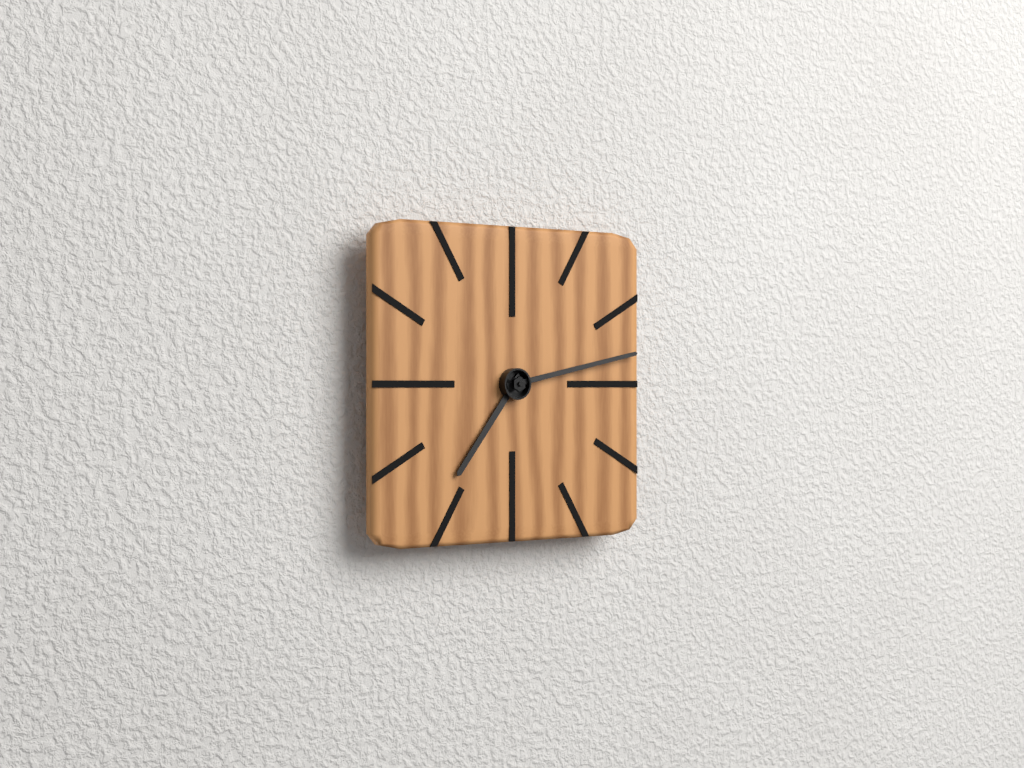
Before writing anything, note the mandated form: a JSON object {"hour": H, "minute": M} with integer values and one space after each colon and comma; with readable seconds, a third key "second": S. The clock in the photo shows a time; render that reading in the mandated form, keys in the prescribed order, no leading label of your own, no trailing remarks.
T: {"hour": 7, "minute": 13}
